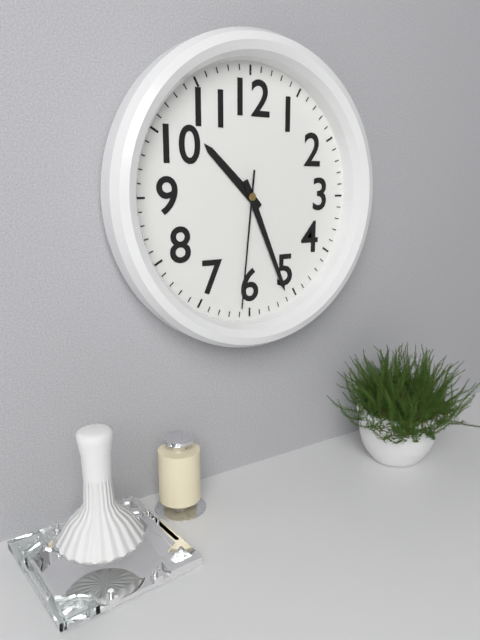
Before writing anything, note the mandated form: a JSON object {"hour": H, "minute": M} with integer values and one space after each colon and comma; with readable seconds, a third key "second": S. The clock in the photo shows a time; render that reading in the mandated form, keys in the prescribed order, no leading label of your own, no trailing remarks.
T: {"hour": 10, "minute": 26, "second": 31}
